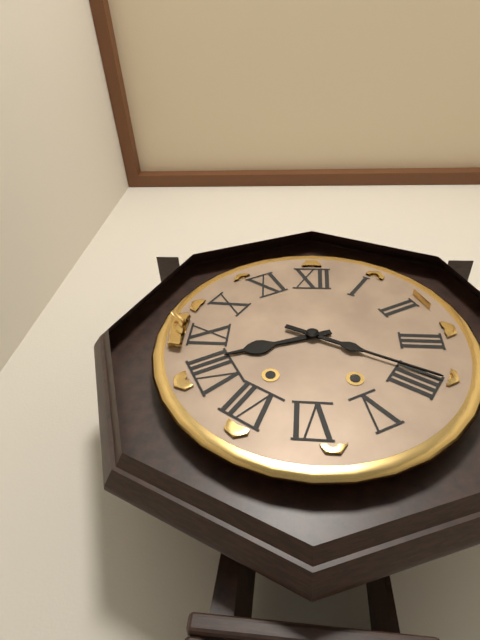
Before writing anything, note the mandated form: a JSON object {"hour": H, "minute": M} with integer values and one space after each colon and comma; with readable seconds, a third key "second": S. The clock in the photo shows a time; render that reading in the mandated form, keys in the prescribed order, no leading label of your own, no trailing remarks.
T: {"hour": 8, "minute": 19}
